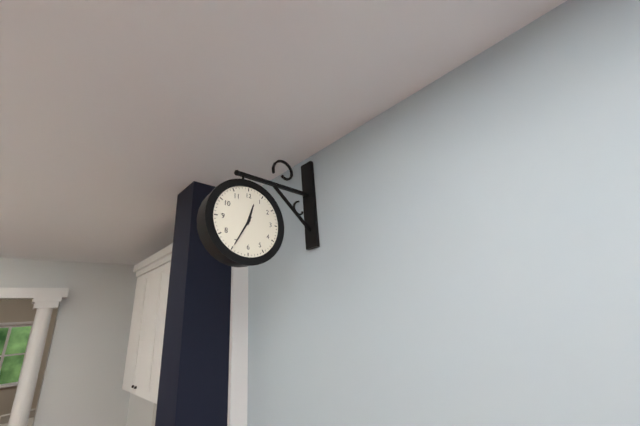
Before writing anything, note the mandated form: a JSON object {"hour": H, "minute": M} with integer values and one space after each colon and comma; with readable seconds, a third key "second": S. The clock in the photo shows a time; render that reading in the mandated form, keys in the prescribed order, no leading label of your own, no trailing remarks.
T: {"hour": 12, "minute": 35}
